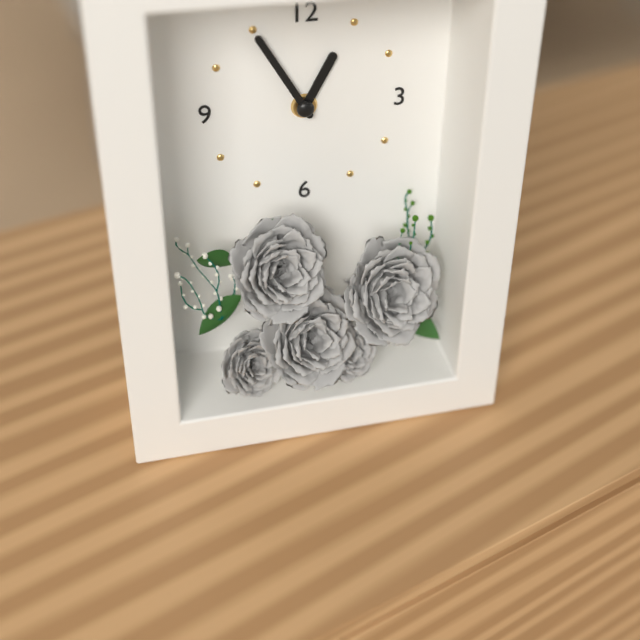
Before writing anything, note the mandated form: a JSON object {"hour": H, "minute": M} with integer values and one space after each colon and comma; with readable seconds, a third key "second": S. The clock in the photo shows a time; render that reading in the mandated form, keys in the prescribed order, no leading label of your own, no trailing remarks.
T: {"hour": 12, "minute": 55}
